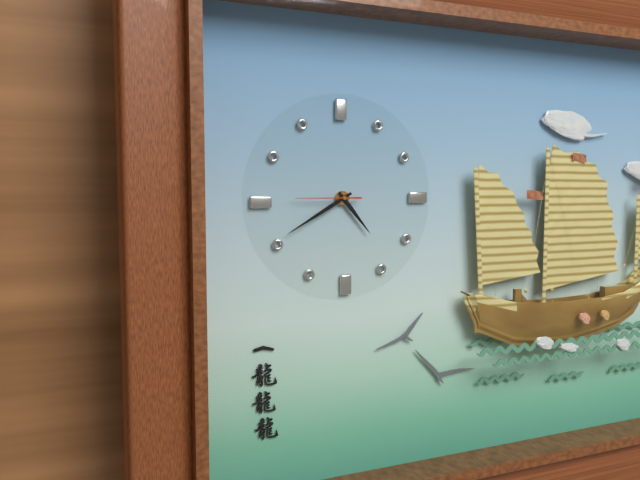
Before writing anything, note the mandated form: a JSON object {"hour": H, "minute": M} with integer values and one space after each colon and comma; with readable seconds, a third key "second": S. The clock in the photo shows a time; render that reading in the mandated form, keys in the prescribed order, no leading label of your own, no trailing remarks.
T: {"hour": 4, "minute": 40, "second": 45}
